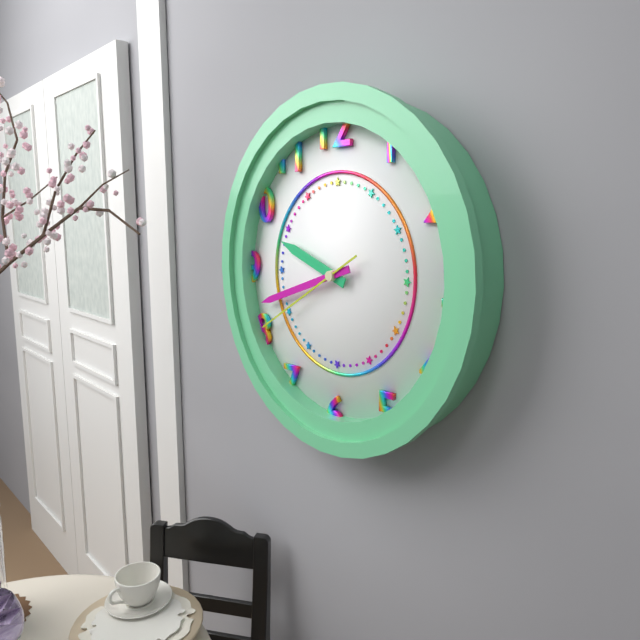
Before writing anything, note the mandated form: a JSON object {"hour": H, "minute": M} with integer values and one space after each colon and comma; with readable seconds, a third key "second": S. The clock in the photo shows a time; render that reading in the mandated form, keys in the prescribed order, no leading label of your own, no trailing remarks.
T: {"hour": 9, "minute": 42, "second": 40}
